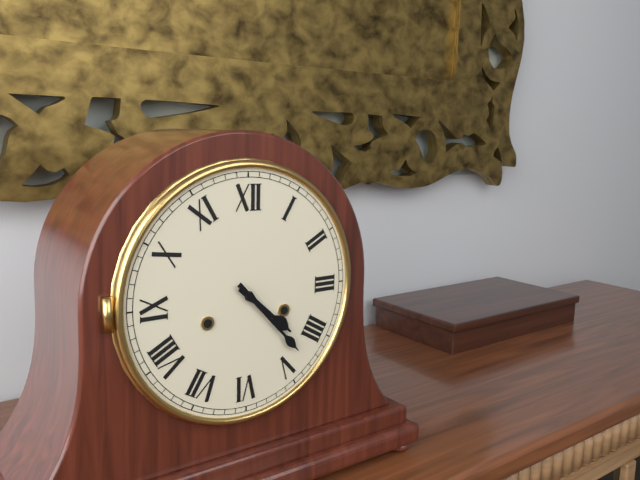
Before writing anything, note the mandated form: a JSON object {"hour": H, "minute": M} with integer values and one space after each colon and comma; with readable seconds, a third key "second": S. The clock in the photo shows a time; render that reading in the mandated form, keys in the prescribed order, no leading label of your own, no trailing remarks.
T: {"hour": 4, "minute": 23}
